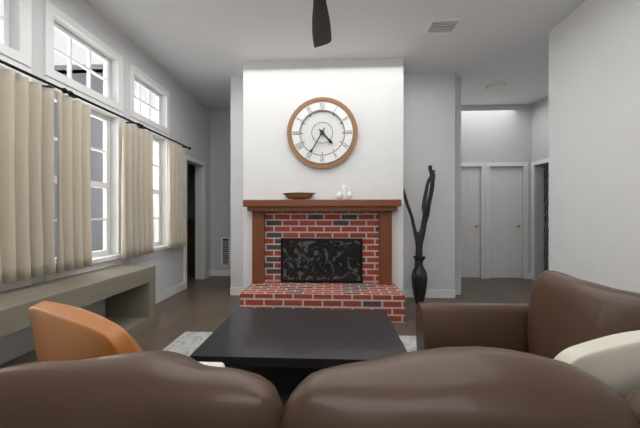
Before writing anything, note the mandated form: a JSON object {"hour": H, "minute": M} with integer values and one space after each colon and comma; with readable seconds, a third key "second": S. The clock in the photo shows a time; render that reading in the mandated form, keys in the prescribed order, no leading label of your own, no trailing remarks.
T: {"hour": 4, "minute": 35}
